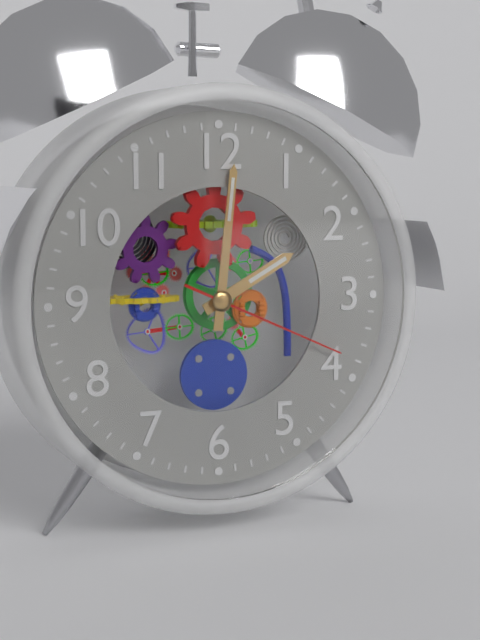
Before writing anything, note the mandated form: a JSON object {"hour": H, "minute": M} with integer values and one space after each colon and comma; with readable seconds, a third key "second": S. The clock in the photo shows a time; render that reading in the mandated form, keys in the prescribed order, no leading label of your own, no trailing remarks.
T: {"hour": 2, "minute": 1, "second": 19}
